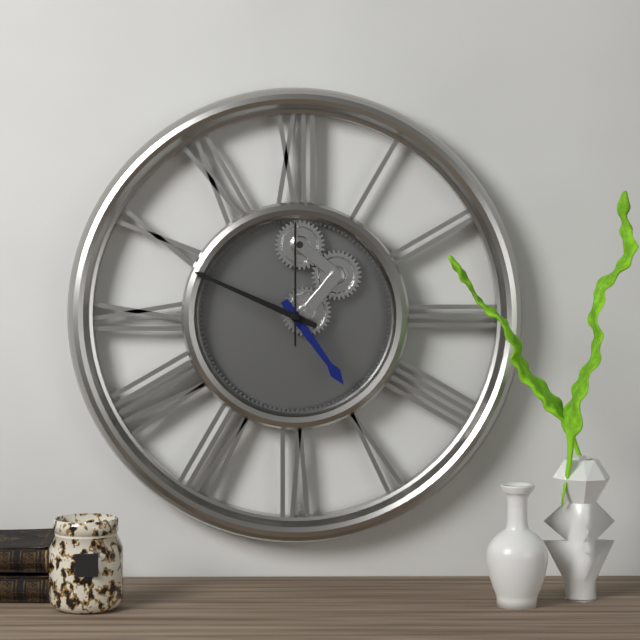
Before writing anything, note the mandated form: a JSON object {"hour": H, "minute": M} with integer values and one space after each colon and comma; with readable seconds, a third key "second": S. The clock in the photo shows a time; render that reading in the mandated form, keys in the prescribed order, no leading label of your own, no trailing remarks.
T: {"hour": 4, "minute": 49, "second": 0}
